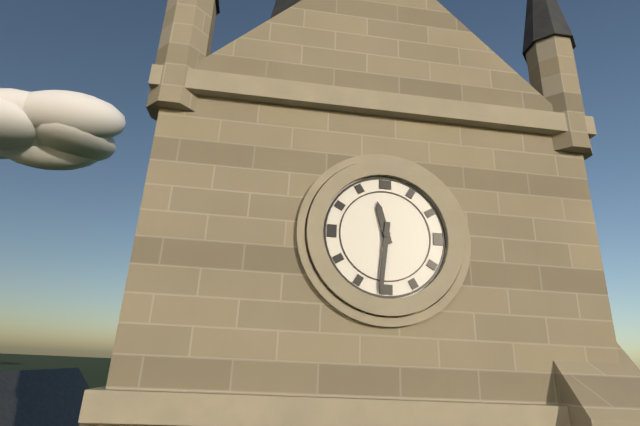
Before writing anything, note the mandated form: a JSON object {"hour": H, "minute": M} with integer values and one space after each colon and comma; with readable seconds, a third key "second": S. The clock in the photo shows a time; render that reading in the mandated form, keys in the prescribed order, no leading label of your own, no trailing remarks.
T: {"hour": 11, "minute": 31}
